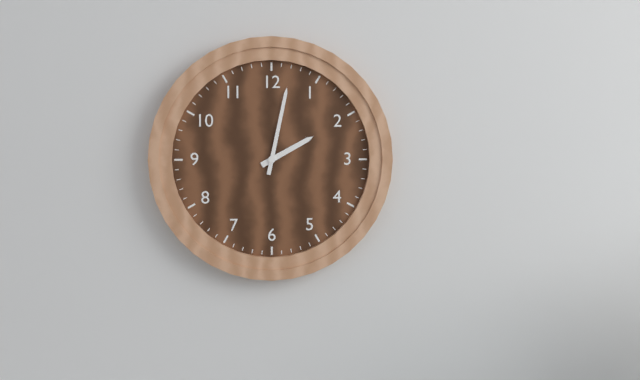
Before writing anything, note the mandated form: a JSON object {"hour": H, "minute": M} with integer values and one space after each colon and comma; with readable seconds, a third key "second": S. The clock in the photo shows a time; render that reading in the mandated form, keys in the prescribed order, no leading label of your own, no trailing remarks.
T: {"hour": 2, "minute": 2}
